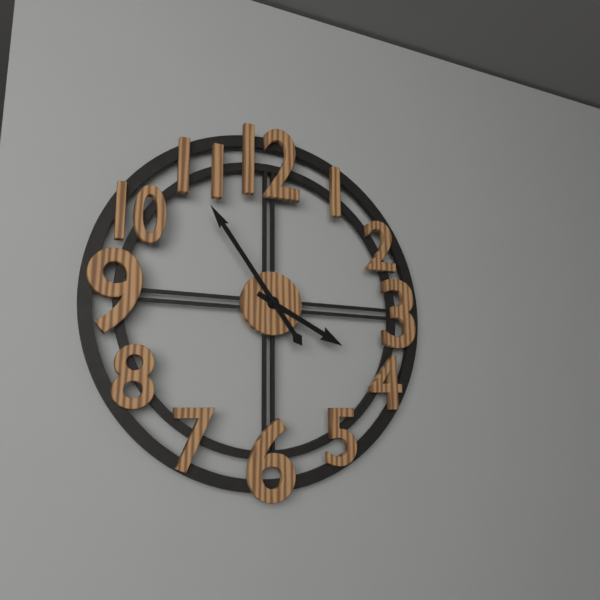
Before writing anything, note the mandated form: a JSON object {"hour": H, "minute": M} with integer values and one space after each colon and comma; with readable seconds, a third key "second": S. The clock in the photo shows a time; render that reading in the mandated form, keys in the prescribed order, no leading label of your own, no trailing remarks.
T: {"hour": 3, "minute": 54}
